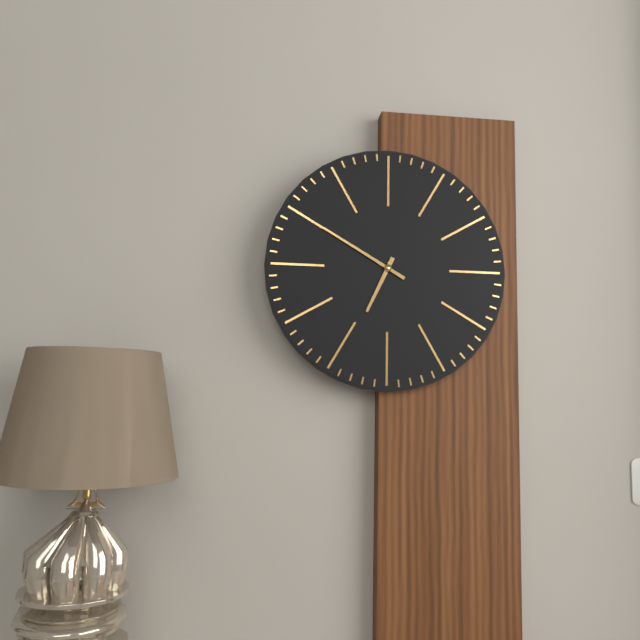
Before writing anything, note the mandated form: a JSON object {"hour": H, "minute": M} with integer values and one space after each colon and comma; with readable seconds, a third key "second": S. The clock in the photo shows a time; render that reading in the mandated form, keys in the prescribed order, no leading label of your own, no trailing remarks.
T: {"hour": 6, "minute": 50}
